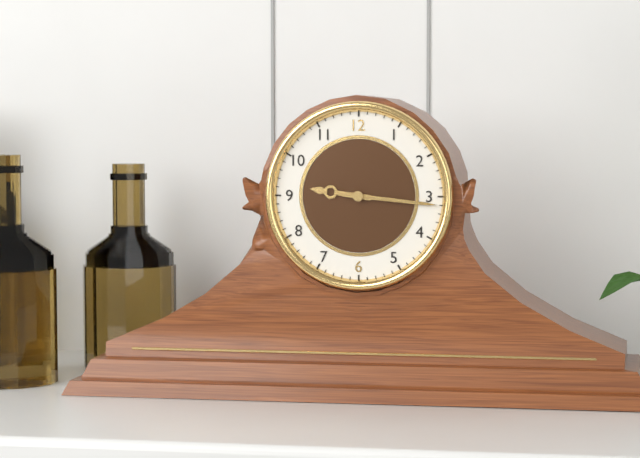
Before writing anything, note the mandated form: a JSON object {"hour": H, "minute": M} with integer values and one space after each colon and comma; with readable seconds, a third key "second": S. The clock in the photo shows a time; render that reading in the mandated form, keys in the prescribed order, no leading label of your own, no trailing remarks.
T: {"hour": 9, "minute": 16}
